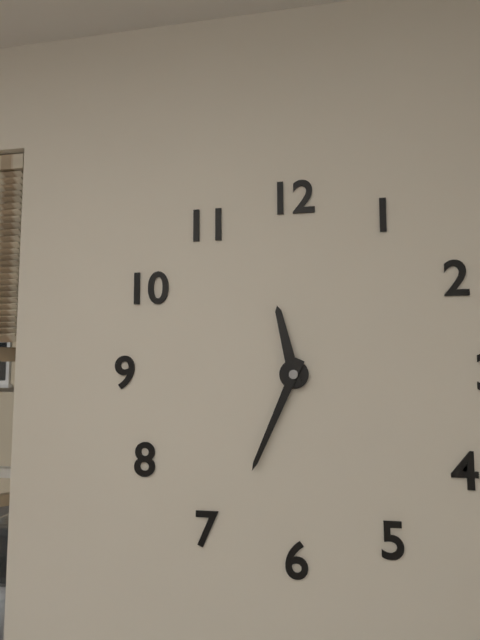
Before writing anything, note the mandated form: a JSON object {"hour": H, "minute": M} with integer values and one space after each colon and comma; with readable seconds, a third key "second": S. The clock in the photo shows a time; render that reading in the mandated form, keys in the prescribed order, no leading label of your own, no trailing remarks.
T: {"hour": 11, "minute": 34}
